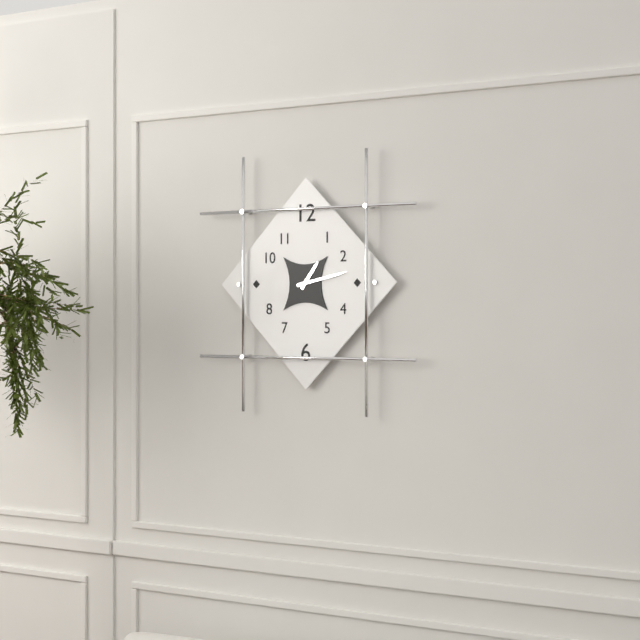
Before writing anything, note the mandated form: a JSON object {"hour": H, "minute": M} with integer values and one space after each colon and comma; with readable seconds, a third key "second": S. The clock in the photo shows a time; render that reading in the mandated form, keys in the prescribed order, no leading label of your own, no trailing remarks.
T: {"hour": 1, "minute": 13}
